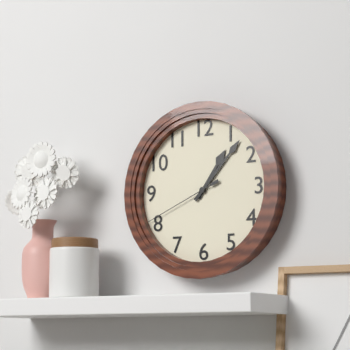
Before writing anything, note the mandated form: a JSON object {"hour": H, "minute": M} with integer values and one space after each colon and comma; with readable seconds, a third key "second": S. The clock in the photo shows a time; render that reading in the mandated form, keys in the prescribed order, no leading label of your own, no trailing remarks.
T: {"hour": 1, "minute": 7, "second": 41}
